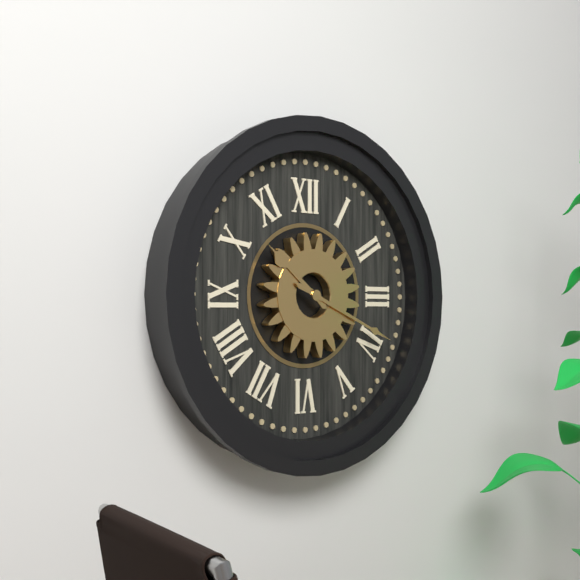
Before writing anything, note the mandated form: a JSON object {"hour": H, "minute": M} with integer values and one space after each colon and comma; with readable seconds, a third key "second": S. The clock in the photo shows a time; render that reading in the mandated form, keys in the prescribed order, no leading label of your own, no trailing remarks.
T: {"hour": 10, "minute": 19}
